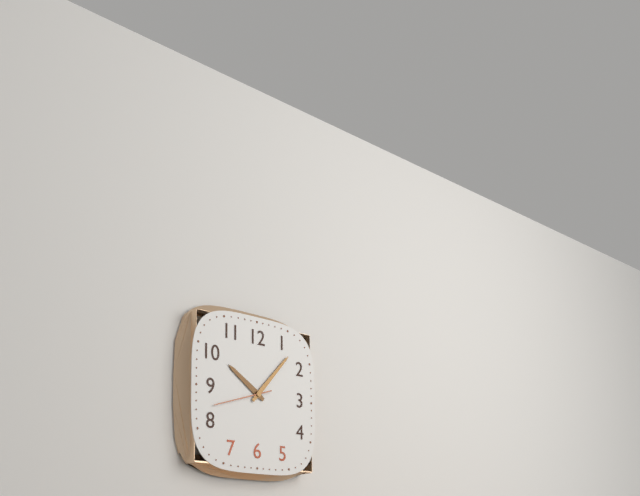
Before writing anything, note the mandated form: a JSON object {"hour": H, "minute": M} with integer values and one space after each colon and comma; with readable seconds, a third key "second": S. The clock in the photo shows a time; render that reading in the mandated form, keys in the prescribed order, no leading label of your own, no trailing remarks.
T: {"hour": 10, "minute": 7, "second": 42}
